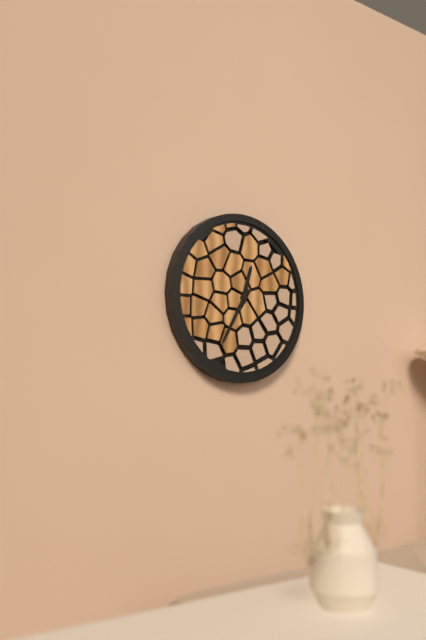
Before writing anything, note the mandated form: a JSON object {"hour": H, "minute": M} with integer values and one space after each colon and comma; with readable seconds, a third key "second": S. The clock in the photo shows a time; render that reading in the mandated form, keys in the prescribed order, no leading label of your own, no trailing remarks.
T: {"hour": 12, "minute": 35}
